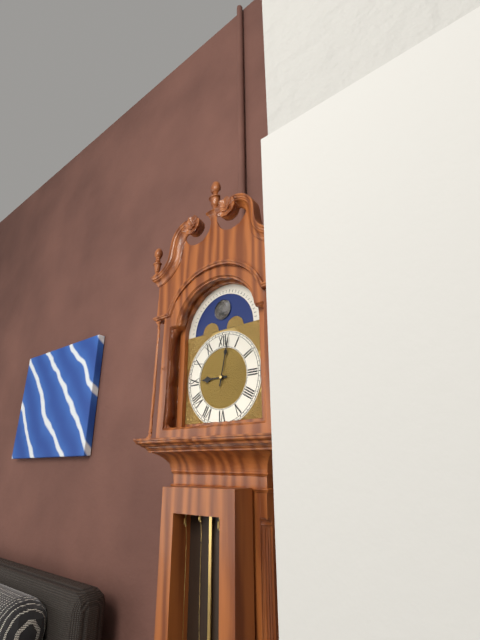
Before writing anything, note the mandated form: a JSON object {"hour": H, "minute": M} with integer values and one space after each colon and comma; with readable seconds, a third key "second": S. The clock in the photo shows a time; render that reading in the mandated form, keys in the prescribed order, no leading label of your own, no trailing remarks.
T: {"hour": 9, "minute": 2}
